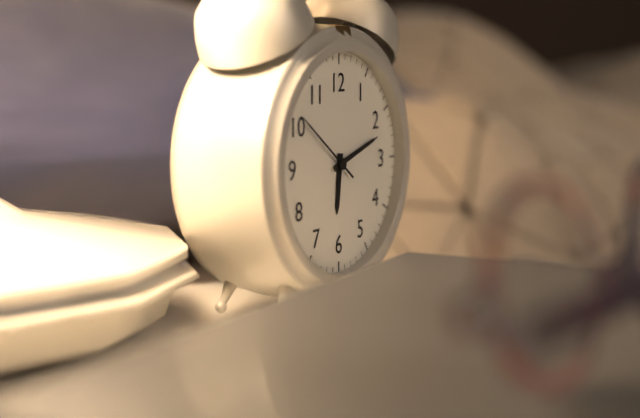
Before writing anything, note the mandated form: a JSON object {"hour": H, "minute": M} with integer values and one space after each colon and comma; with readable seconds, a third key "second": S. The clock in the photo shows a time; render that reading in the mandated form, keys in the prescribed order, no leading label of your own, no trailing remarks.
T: {"hour": 6, "minute": 12, "second": 51}
